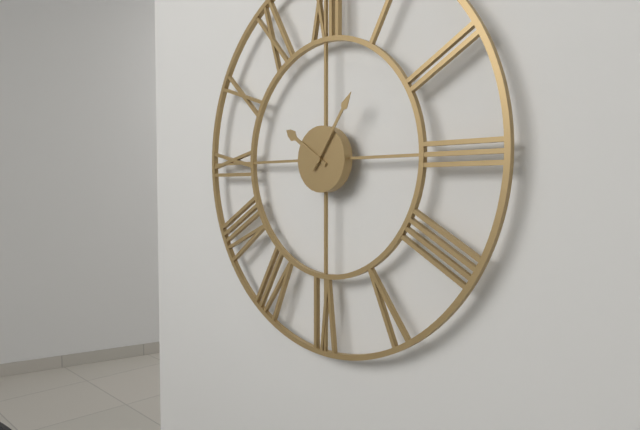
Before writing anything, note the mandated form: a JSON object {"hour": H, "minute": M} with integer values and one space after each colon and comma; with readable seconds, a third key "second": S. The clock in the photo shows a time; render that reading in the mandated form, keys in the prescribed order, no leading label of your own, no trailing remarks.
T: {"hour": 10, "minute": 6}
